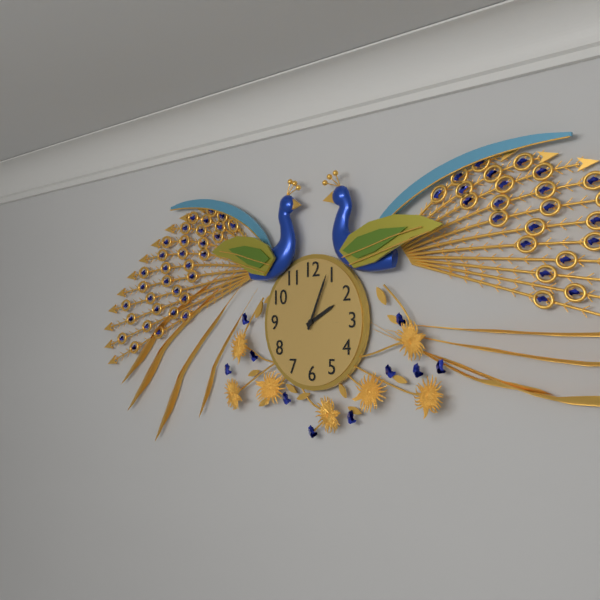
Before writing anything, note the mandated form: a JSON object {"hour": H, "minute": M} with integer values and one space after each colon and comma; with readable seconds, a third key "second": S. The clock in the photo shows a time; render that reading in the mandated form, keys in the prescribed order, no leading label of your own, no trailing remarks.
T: {"hour": 2, "minute": 4}
